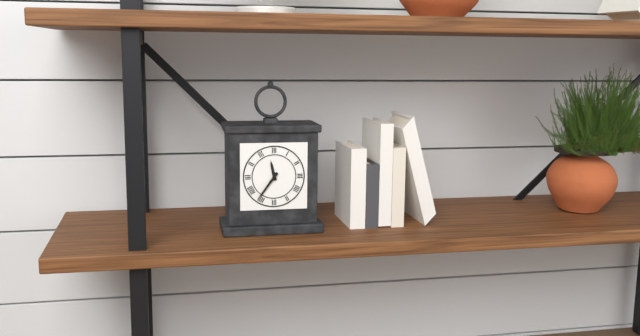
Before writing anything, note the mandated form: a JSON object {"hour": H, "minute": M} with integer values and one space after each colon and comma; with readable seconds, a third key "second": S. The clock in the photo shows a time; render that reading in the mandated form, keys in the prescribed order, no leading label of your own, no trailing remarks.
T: {"hour": 11, "minute": 36}
